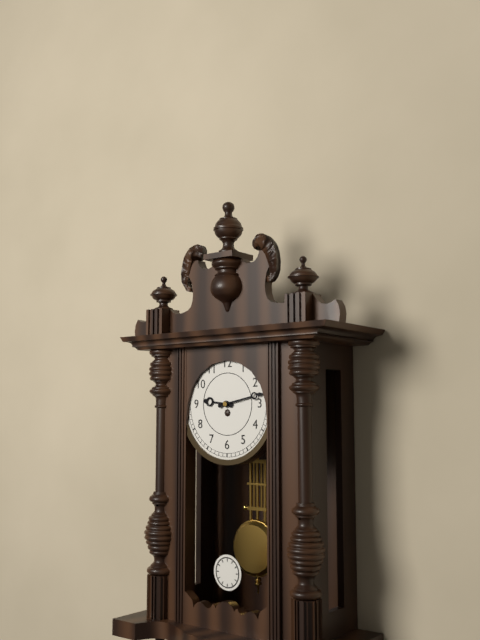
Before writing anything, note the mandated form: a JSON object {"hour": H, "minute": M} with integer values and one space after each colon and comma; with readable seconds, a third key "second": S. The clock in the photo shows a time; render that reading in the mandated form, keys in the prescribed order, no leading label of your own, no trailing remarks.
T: {"hour": 9, "minute": 13}
